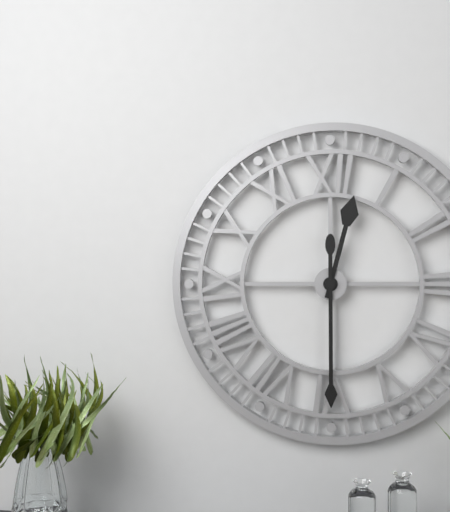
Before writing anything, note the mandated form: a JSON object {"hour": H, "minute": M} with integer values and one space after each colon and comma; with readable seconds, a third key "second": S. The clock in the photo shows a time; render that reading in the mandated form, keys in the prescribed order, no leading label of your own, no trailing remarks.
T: {"hour": 12, "minute": 30}
